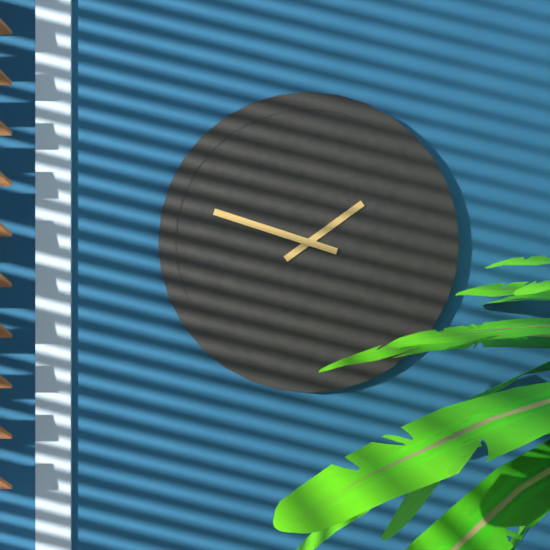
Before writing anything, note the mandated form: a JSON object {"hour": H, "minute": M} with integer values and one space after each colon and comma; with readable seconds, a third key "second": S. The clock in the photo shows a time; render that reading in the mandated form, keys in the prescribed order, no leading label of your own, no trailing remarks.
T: {"hour": 1, "minute": 48}
